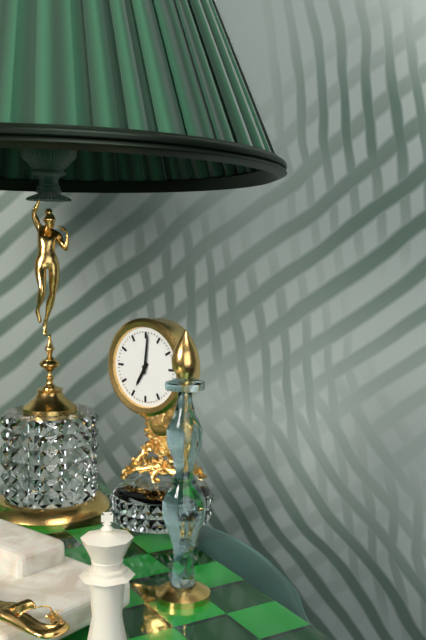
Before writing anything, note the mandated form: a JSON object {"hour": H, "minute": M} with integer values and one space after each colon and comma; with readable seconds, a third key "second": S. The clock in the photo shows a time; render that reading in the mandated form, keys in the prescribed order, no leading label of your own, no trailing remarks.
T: {"hour": 7, "minute": 1}
